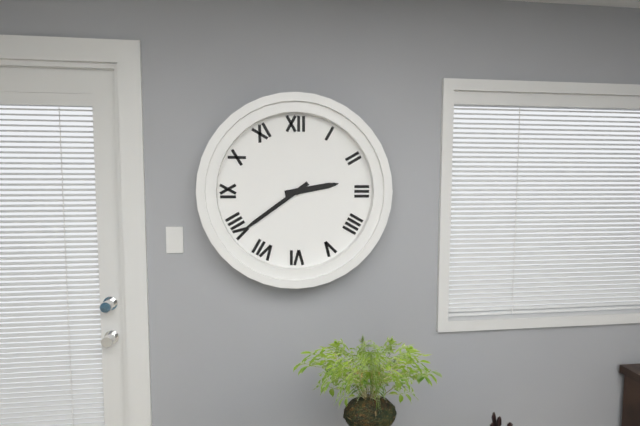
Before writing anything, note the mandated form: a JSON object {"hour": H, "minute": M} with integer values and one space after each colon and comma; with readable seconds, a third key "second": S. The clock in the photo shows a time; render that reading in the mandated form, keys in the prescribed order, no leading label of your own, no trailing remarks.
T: {"hour": 2, "minute": 39}
